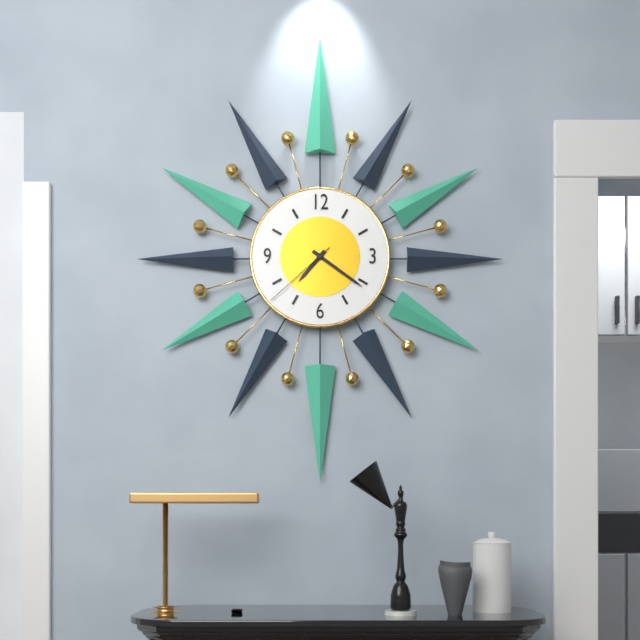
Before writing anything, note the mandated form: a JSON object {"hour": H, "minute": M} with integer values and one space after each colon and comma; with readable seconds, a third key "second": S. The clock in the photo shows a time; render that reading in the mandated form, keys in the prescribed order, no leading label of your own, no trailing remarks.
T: {"hour": 7, "minute": 21, "second": 38}
